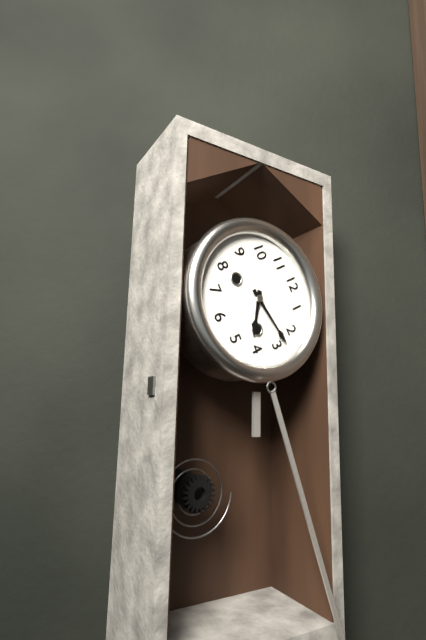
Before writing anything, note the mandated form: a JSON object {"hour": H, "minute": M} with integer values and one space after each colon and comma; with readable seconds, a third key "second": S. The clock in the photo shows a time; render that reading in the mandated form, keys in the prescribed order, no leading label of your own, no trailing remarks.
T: {"hour": 4, "minute": 13}
